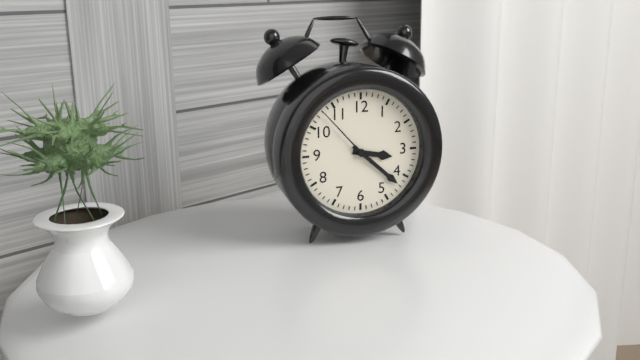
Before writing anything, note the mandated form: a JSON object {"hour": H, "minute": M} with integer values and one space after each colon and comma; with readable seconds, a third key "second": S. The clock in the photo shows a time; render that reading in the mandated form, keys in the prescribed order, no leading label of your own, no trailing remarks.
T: {"hour": 3, "minute": 22, "second": 53}
